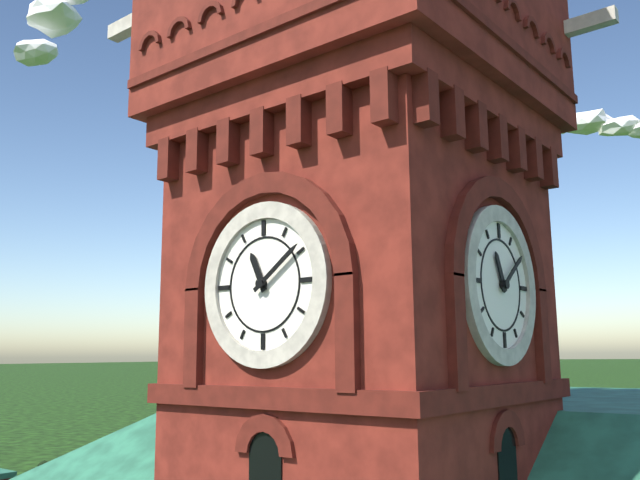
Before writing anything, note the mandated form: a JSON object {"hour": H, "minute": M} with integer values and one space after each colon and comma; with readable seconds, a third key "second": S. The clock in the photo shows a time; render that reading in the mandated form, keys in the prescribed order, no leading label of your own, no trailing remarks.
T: {"hour": 11, "minute": 9}
